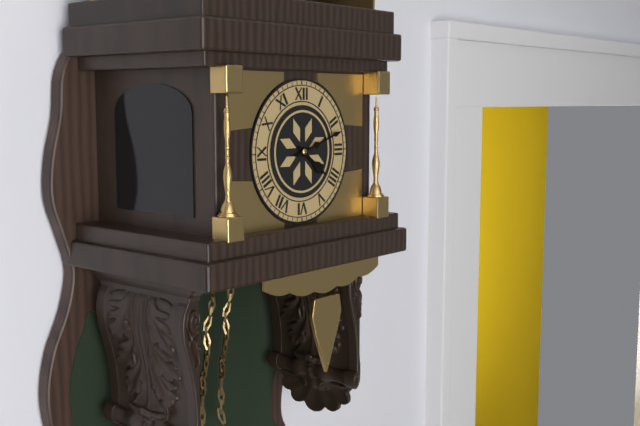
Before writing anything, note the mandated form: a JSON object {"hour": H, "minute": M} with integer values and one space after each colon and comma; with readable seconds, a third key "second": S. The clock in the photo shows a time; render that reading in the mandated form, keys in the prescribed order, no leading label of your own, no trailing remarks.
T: {"hour": 4, "minute": 12}
